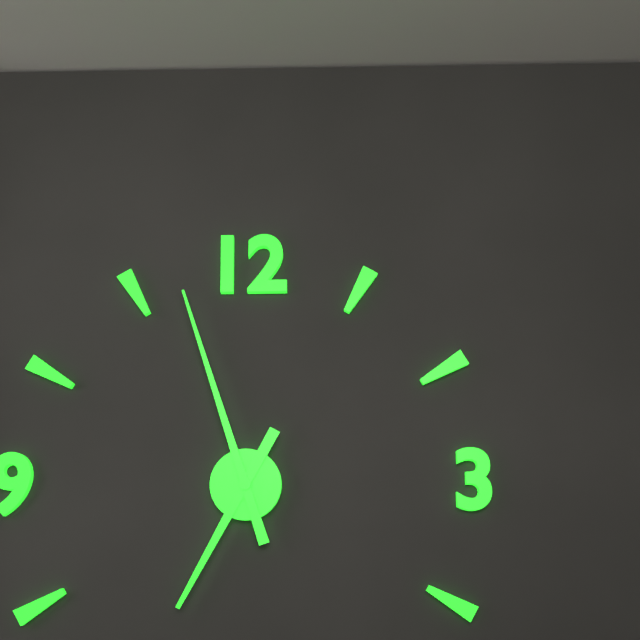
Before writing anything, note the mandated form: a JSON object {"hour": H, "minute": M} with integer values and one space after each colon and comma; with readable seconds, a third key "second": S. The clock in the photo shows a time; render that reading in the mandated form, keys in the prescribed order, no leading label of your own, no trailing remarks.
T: {"hour": 6, "minute": 57}
